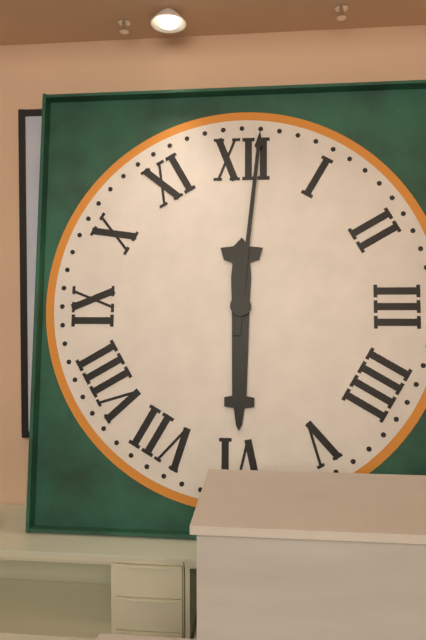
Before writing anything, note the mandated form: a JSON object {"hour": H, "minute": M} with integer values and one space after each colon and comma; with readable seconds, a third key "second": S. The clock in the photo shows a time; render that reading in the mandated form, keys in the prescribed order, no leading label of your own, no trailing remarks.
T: {"hour": 6, "minute": 1}
